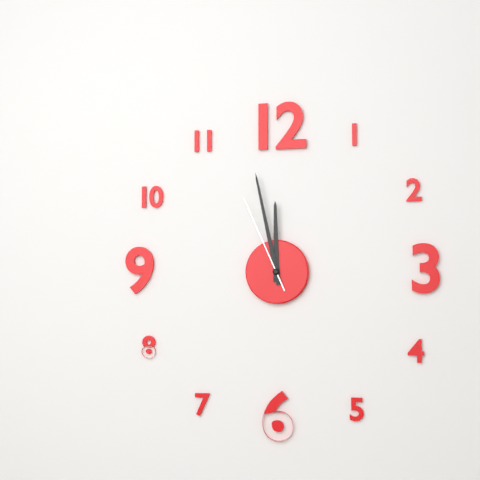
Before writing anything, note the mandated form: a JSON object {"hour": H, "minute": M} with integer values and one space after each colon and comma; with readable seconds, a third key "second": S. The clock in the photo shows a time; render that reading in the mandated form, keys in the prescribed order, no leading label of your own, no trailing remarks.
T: {"hour": 11, "minute": 58, "second": 56}
